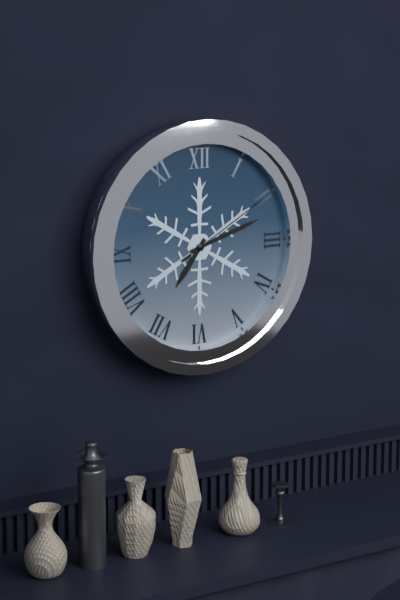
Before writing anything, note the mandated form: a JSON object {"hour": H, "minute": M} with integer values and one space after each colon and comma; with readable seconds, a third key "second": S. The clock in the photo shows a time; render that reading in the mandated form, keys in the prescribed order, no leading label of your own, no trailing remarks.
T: {"hour": 7, "minute": 12, "second": 10}
